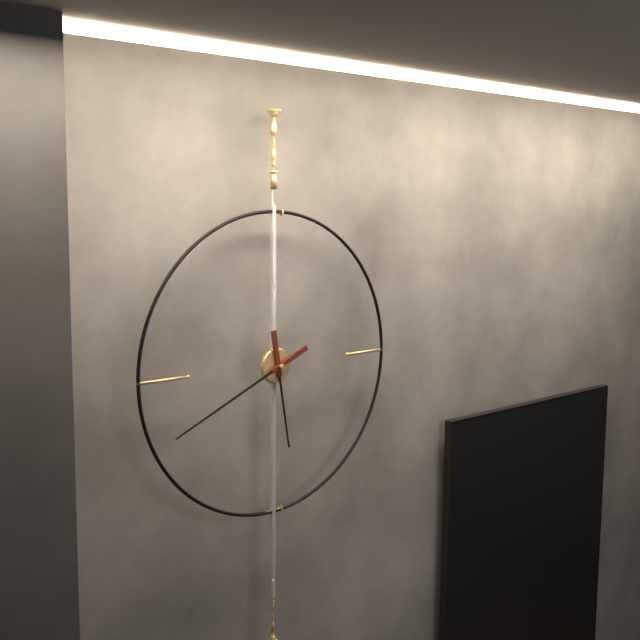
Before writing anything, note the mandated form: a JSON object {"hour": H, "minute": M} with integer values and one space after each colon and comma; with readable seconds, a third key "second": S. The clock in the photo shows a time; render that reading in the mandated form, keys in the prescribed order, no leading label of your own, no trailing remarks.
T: {"hour": 5, "minute": 41}
